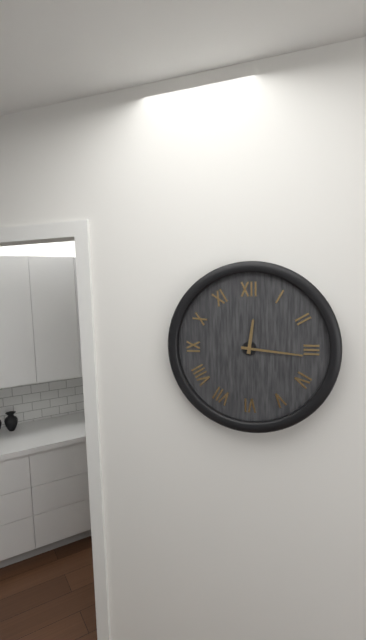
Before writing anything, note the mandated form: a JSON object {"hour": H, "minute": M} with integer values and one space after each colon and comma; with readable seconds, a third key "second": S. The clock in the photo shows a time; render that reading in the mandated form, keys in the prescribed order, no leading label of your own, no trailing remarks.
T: {"hour": 12, "minute": 16}
